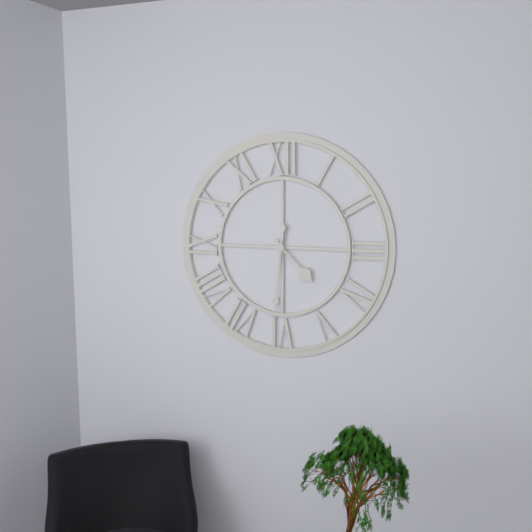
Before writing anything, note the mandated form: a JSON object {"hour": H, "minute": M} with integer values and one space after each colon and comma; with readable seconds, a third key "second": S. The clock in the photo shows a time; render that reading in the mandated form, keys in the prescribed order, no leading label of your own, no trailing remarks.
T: {"hour": 4, "minute": 31}
